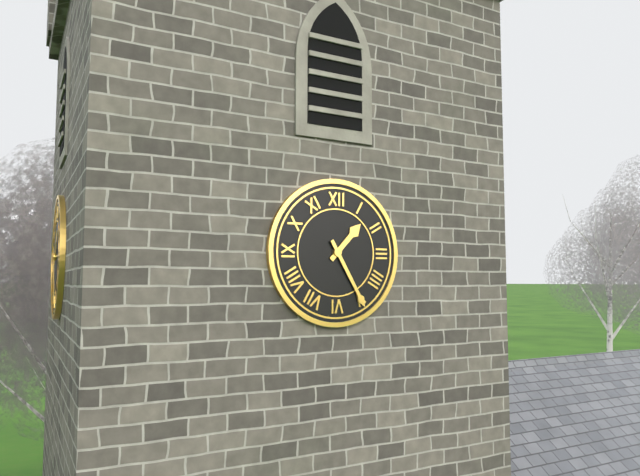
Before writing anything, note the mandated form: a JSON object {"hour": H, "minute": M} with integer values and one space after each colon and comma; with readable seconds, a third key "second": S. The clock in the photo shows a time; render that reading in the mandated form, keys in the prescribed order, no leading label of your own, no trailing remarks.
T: {"hour": 1, "minute": 25}
